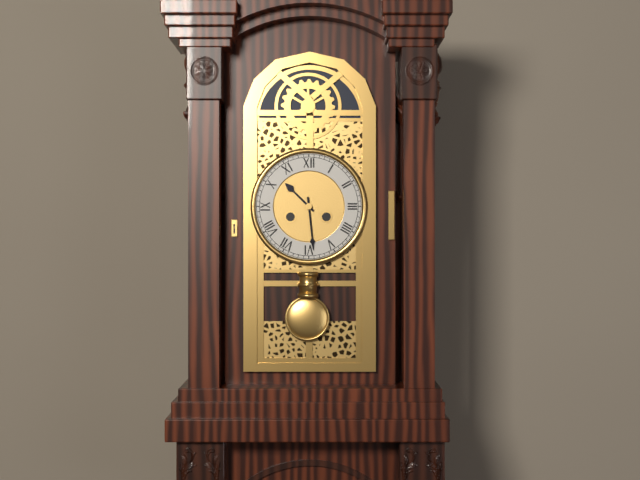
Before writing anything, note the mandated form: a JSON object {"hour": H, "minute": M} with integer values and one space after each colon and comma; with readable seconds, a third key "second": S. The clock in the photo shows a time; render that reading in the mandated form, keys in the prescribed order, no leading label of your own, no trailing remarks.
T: {"hour": 10, "minute": 29}
